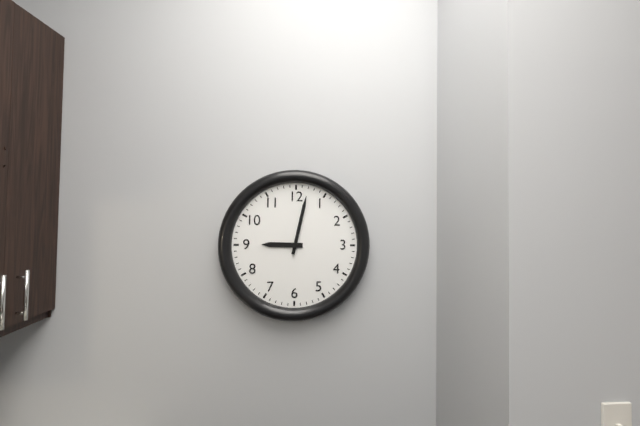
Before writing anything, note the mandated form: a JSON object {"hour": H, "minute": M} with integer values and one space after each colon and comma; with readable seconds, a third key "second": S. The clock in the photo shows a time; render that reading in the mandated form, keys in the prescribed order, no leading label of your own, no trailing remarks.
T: {"hour": 9, "minute": 2}
